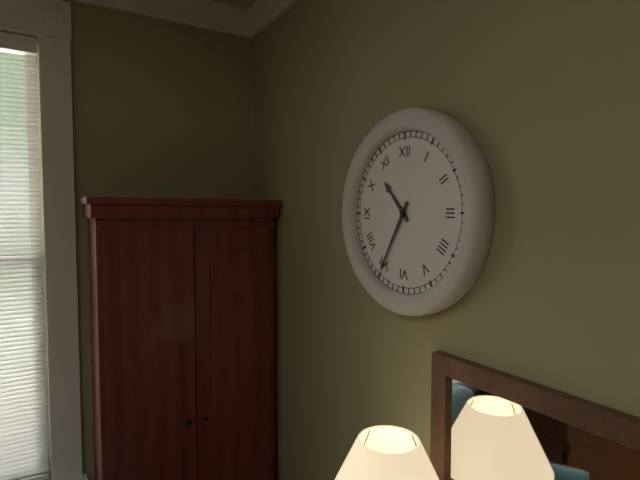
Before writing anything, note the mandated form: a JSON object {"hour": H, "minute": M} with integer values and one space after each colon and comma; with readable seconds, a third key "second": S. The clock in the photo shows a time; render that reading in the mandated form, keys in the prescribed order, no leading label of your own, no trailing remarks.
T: {"hour": 10, "minute": 35}
